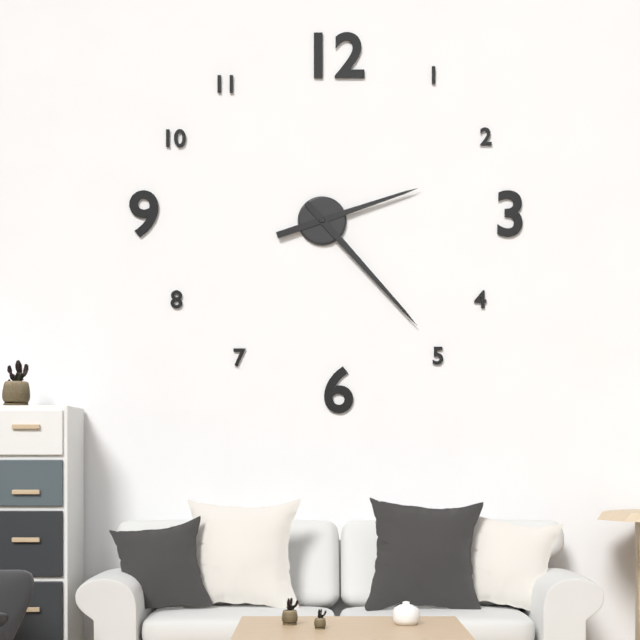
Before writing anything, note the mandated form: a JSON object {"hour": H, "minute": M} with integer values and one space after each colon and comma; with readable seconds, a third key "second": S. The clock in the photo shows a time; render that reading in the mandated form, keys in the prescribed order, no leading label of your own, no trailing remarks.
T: {"hour": 2, "minute": 23}
